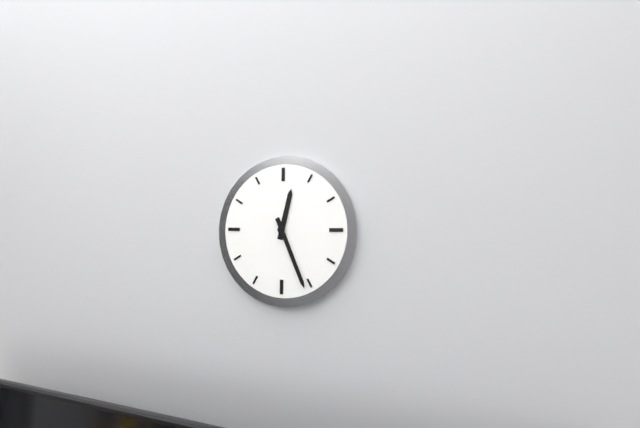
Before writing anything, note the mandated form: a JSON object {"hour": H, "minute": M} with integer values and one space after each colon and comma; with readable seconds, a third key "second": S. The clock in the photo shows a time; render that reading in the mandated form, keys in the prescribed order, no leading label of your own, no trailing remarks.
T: {"hour": 12, "minute": 26}
